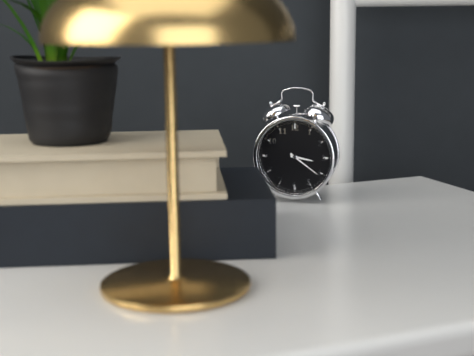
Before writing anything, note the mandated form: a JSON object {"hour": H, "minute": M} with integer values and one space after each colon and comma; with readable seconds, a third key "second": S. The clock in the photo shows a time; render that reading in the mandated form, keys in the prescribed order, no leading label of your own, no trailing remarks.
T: {"hour": 3, "minute": 21}
